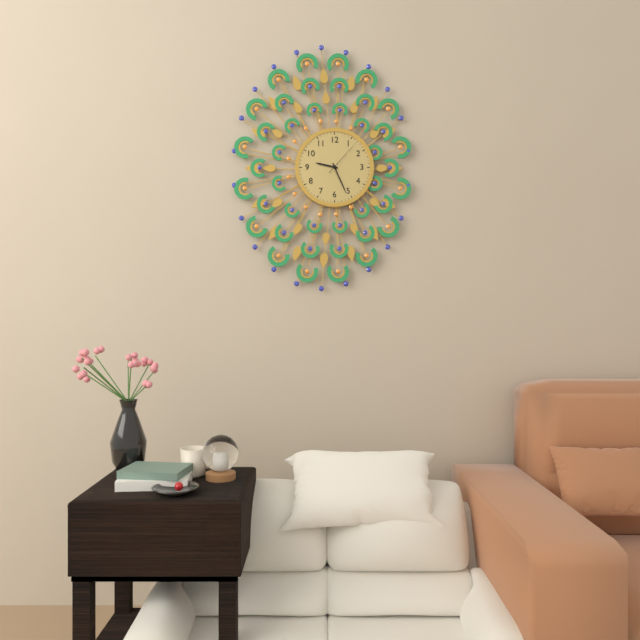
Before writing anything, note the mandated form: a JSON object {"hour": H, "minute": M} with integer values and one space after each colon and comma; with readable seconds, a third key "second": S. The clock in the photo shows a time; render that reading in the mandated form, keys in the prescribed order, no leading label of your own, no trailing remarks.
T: {"hour": 9, "minute": 26}
